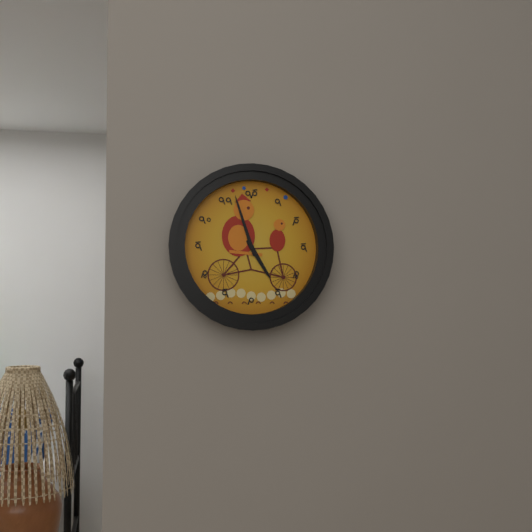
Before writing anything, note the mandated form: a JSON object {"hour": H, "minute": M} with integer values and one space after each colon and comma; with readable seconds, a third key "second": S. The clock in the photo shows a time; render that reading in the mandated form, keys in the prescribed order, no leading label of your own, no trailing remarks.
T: {"hour": 4, "minute": 57}
